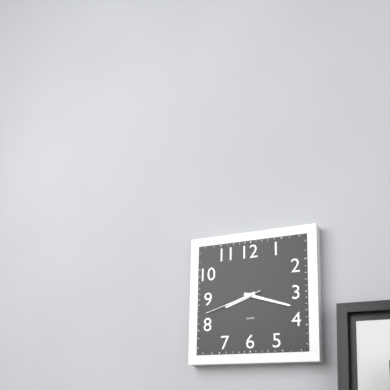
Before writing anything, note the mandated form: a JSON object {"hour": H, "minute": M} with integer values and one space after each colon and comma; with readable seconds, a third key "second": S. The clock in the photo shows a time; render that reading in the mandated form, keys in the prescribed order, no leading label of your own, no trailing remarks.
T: {"hour": 8, "minute": 18, "second": 42}
